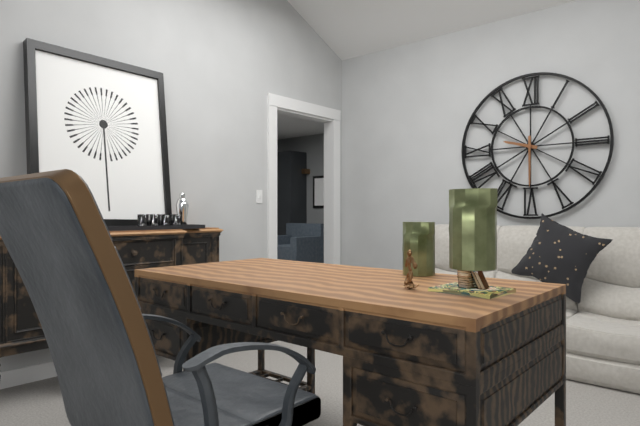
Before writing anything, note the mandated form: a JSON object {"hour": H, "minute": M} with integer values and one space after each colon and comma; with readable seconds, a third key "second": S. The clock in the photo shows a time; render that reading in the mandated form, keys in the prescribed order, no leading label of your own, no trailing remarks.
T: {"hour": 9, "minute": 30}
